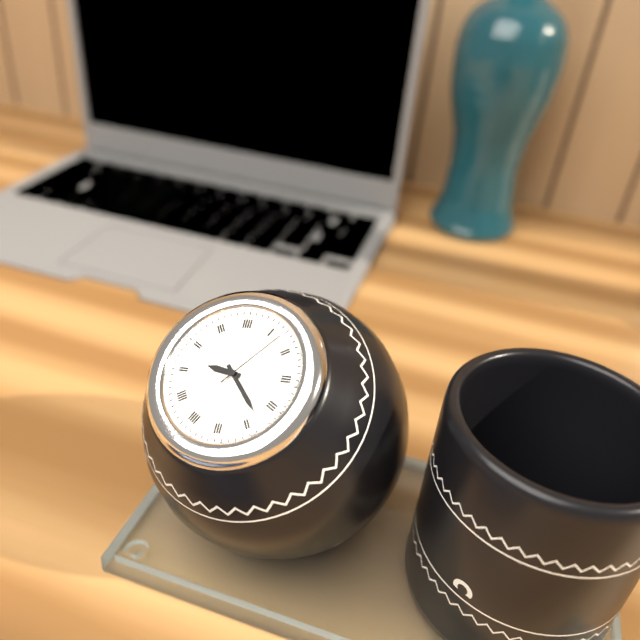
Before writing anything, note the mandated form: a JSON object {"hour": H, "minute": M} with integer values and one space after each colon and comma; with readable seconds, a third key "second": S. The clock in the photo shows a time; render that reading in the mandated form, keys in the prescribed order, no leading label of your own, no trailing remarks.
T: {"hour": 9, "minute": 23, "second": 7}
